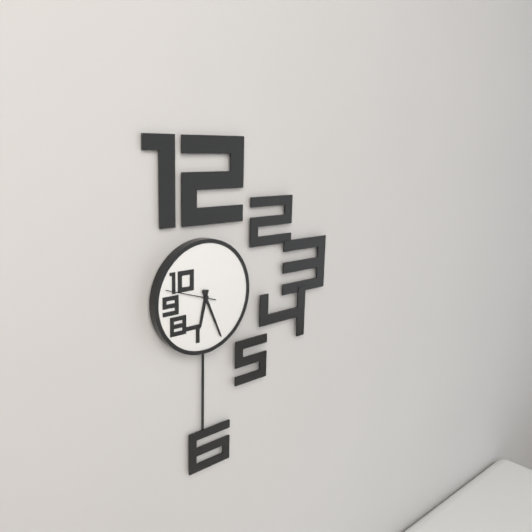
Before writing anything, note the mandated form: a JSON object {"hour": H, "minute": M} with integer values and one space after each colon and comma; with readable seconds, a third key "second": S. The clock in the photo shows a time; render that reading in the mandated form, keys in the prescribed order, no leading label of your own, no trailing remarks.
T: {"hour": 6, "minute": 26, "second": 48}
